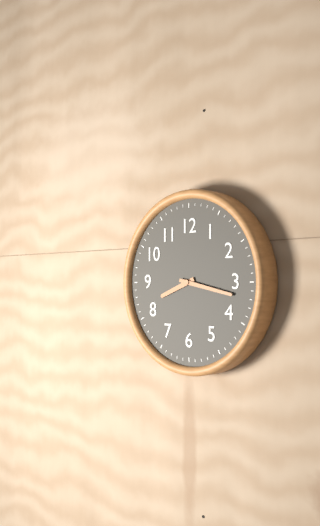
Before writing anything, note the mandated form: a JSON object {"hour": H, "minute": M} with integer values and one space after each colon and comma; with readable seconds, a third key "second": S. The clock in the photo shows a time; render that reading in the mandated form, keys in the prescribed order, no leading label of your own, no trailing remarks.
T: {"hour": 8, "minute": 17}
